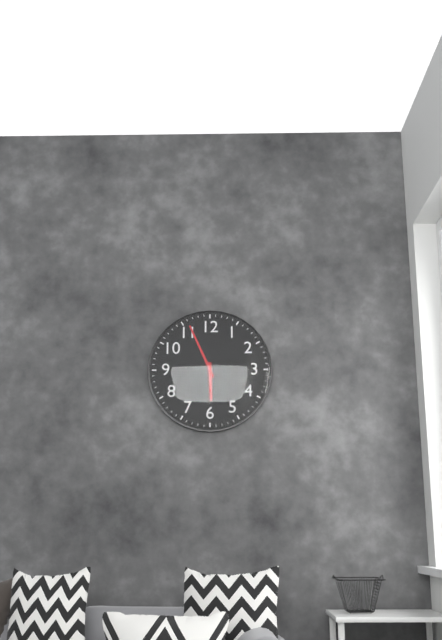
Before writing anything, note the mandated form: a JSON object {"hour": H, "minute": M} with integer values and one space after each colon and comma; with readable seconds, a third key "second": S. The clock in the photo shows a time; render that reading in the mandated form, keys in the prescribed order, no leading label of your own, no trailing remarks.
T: {"hour": 5, "minute": 56}
